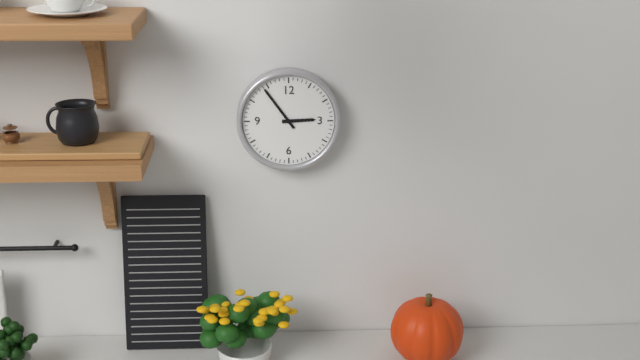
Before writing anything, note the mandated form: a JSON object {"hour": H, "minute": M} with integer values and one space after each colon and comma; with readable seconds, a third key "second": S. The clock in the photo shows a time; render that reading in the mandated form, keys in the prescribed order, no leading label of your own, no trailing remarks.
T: {"hour": 2, "minute": 54}
